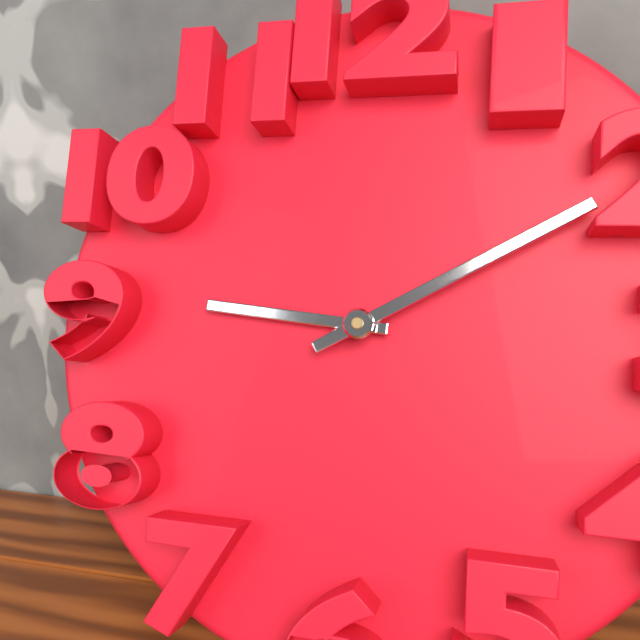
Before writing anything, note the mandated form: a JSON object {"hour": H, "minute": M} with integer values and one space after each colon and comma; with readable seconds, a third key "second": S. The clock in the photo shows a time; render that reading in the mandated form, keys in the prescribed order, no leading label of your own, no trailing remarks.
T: {"hour": 9, "minute": 10}
